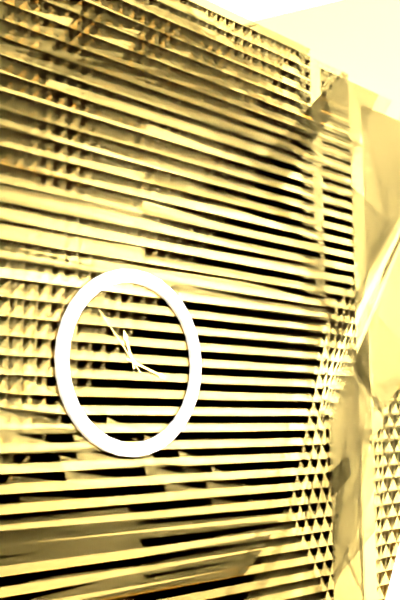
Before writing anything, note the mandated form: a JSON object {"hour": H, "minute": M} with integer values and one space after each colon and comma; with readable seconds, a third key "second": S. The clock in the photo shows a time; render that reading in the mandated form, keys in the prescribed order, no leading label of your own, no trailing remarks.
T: {"hour": 11, "minute": 18, "second": 53}
